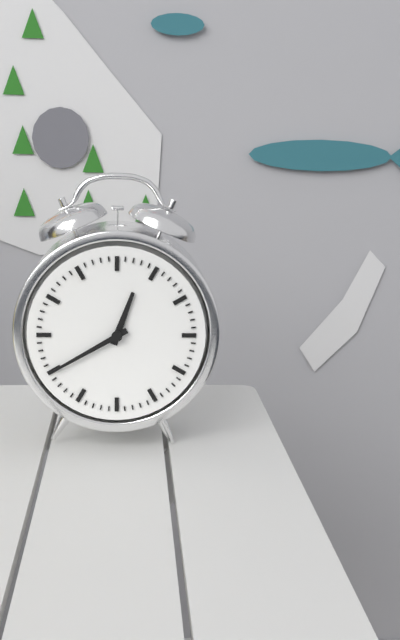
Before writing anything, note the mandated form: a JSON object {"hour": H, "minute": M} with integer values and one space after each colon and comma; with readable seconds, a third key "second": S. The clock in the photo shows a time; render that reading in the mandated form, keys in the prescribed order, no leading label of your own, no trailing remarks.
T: {"hour": 12, "minute": 40}
